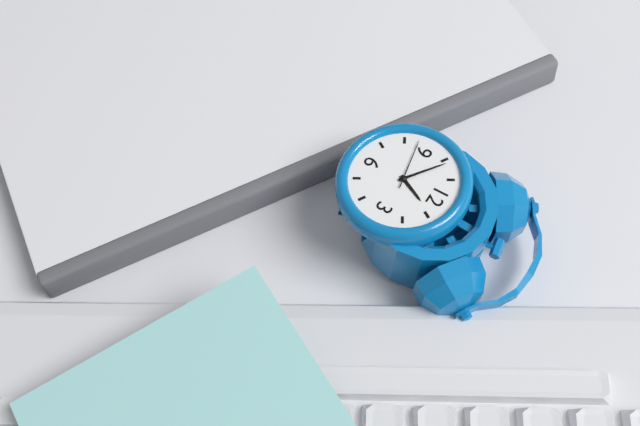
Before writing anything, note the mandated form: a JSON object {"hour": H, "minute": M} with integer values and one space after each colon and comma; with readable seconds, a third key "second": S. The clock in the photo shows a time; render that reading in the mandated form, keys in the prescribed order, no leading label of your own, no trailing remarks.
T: {"hour": 12, "minute": 51, "second": 43}
